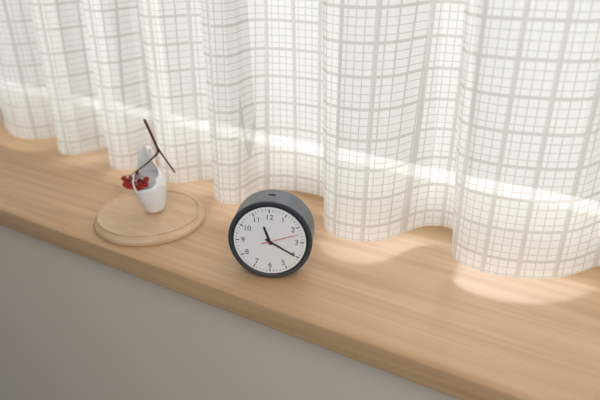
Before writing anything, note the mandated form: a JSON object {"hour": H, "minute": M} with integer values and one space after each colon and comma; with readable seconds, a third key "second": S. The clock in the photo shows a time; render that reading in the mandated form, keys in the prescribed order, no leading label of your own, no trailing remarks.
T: {"hour": 11, "minute": 20}
